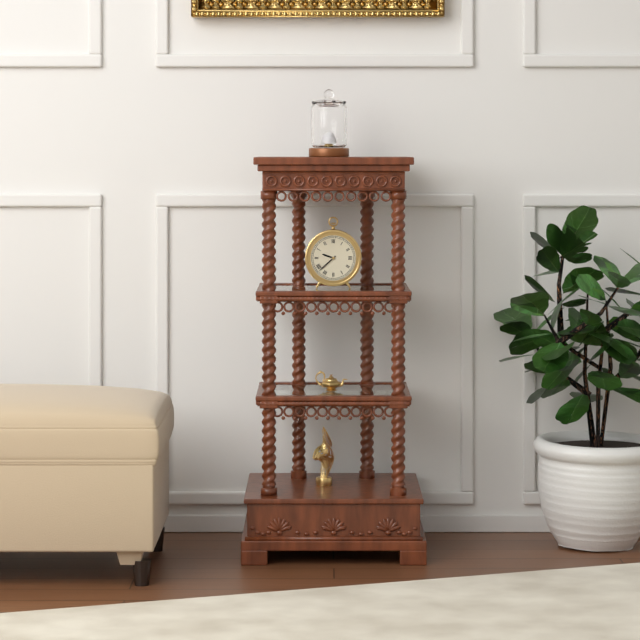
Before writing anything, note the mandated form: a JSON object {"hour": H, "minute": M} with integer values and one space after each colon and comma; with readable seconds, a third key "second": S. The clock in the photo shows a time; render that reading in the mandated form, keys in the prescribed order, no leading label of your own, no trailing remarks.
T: {"hour": 9, "minute": 38}
